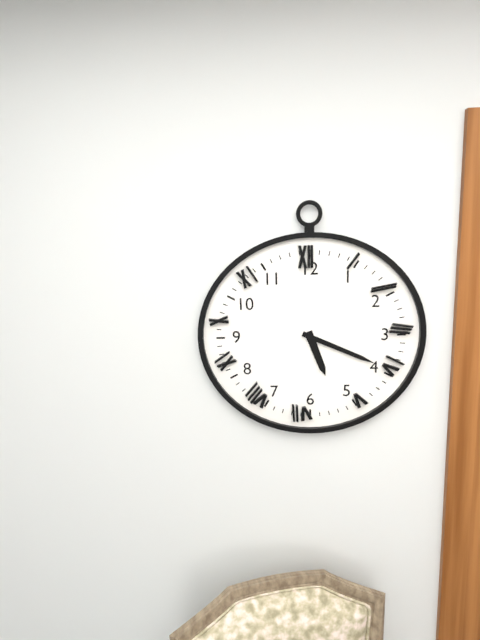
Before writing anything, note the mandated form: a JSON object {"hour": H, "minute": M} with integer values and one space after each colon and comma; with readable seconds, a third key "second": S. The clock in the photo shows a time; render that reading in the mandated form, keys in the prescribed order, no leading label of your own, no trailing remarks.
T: {"hour": 5, "minute": 19}
